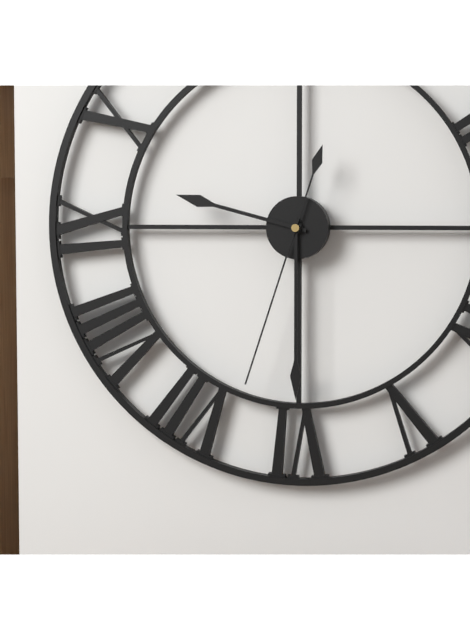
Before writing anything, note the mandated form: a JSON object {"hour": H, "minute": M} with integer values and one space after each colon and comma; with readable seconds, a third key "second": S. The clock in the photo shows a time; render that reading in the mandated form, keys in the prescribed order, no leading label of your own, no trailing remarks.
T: {"hour": 9, "minute": 30, "second": 33}
